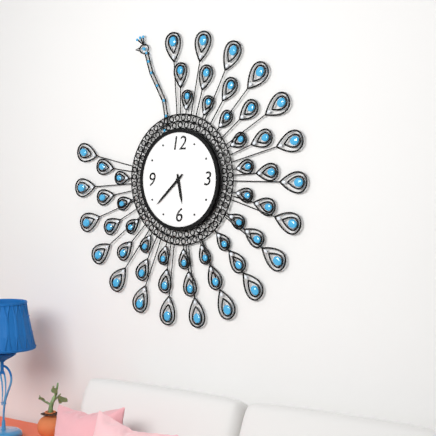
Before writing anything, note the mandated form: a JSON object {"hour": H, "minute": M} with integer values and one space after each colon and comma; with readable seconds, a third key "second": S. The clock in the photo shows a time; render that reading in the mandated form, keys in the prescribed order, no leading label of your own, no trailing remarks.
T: {"hour": 5, "minute": 38}
